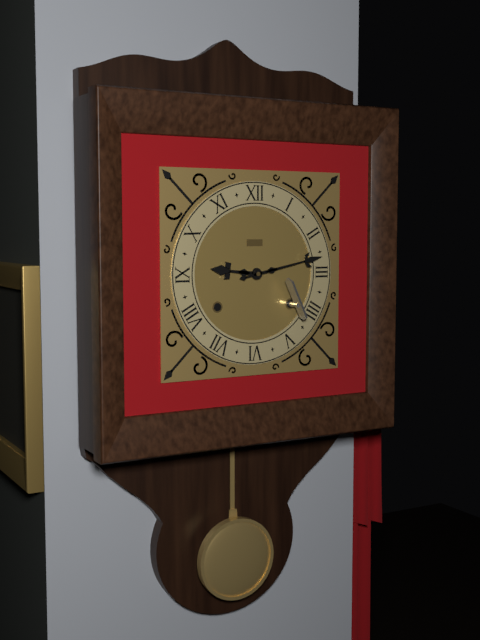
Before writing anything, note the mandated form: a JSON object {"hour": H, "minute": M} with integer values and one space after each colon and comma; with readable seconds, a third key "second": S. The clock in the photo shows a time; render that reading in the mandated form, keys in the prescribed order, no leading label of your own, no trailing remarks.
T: {"hour": 9, "minute": 13}
